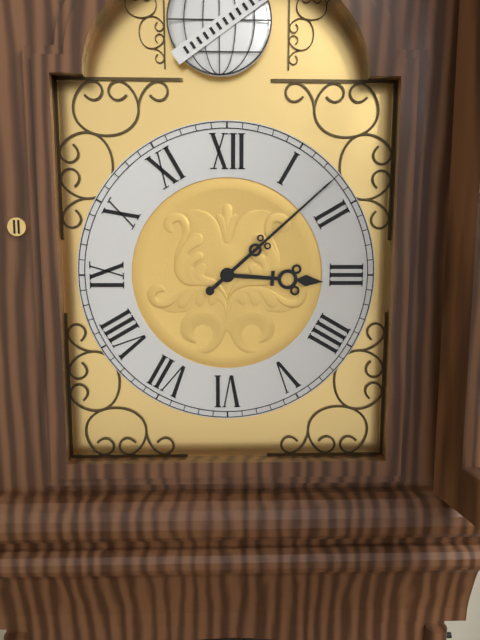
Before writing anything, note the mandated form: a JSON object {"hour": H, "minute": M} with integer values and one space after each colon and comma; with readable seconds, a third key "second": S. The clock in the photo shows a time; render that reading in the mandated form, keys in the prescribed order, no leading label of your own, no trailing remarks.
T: {"hour": 3, "minute": 8}
